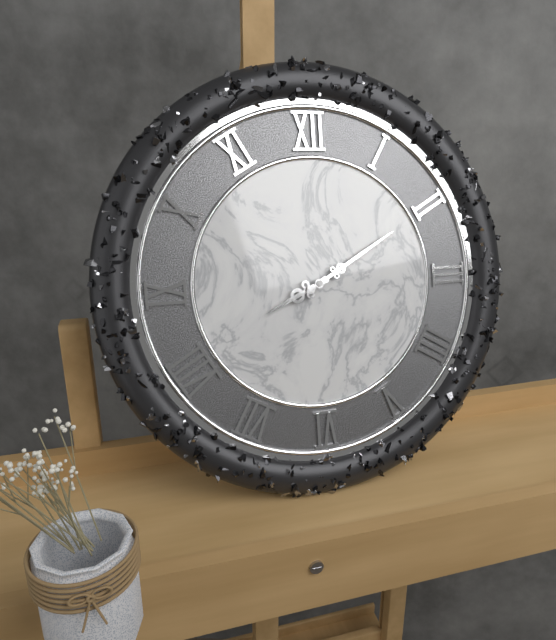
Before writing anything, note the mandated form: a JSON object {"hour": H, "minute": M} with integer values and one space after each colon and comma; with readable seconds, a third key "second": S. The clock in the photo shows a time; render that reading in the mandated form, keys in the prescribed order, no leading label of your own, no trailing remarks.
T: {"hour": 8, "minute": 10}
